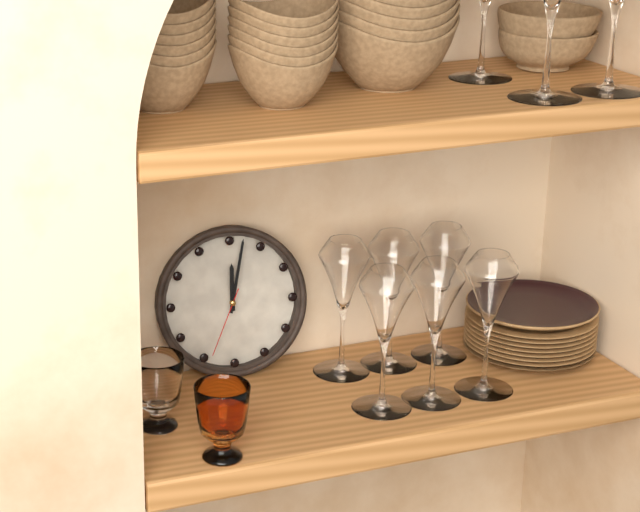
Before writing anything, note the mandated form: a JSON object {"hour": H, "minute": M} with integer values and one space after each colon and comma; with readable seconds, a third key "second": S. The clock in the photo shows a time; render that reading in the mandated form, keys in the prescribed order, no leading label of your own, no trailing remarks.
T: {"hour": 12, "minute": 2, "second": 34}
